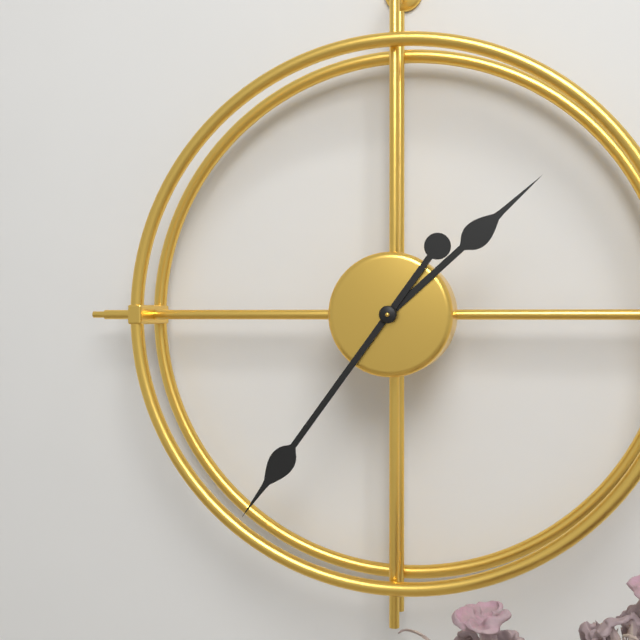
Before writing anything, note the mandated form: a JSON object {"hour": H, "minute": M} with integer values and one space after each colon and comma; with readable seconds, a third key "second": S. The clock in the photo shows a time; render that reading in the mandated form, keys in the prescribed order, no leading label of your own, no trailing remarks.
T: {"hour": 1, "minute": 36}
